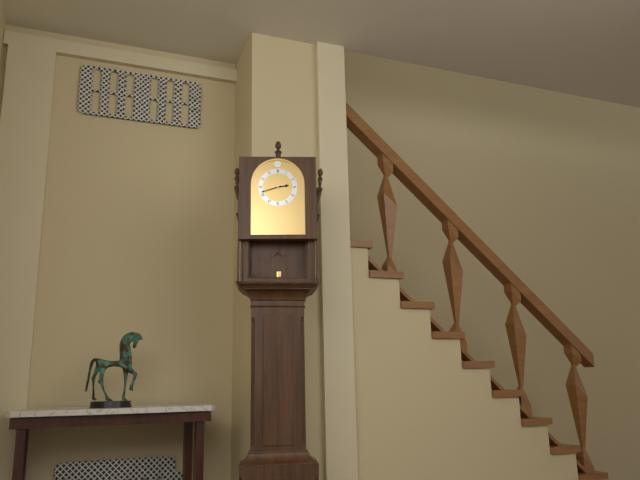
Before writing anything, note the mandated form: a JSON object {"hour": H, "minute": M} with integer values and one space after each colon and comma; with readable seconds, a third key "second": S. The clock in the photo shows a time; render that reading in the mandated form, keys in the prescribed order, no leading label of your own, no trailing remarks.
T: {"hour": 2, "minute": 42}
